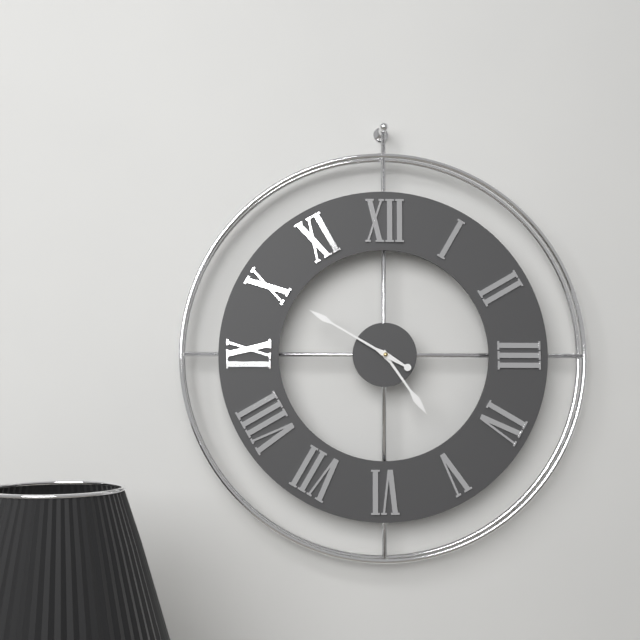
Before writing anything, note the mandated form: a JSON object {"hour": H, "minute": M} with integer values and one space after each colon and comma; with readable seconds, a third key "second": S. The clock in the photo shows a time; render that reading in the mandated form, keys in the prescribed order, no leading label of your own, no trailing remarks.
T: {"hour": 4, "minute": 50}
